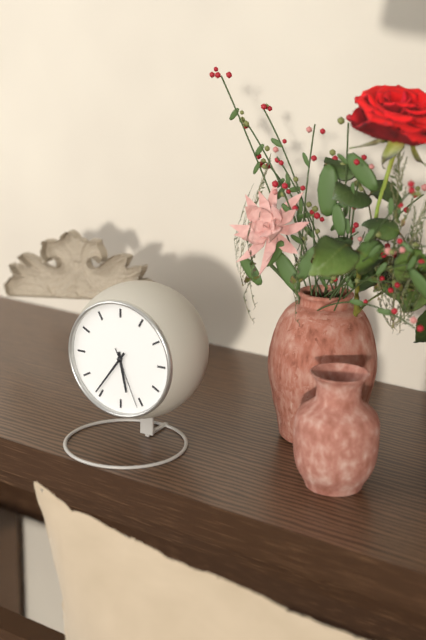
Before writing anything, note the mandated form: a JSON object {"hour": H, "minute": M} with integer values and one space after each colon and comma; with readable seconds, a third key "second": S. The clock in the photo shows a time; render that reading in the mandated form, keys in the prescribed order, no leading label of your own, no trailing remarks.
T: {"hour": 5, "minute": 36, "second": 26}
